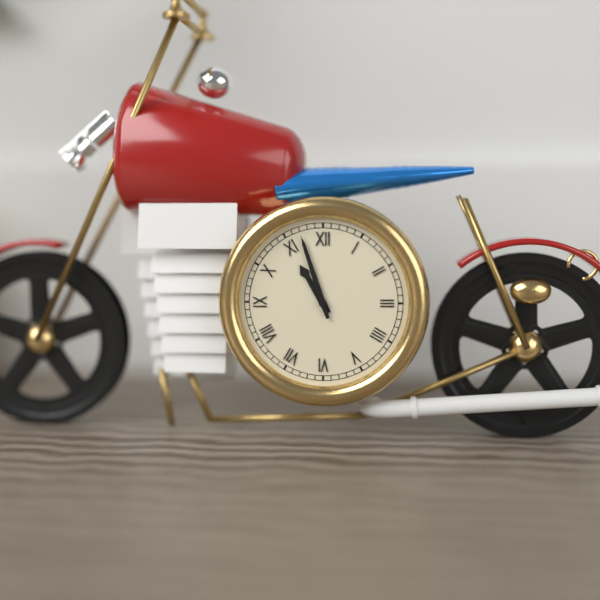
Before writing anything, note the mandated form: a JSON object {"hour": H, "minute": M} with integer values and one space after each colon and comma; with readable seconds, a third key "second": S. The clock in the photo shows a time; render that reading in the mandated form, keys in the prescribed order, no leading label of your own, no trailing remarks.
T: {"hour": 10, "minute": 57}
